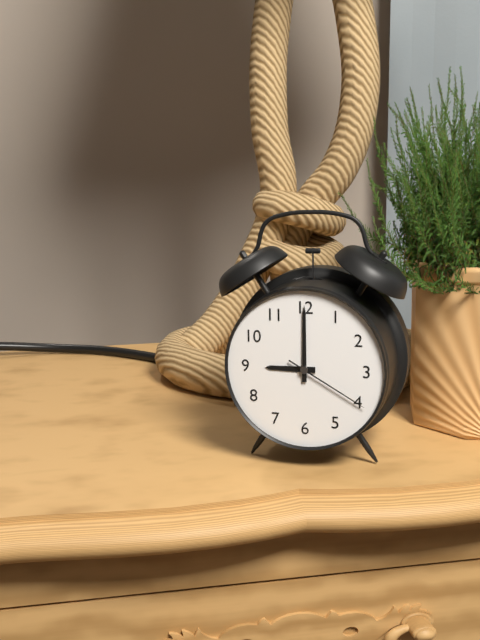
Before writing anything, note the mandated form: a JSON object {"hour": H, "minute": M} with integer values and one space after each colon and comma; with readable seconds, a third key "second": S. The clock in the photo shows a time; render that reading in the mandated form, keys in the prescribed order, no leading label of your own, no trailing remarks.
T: {"hour": 9, "minute": 0, "second": 20}
